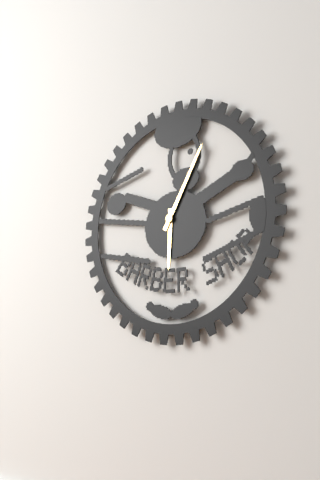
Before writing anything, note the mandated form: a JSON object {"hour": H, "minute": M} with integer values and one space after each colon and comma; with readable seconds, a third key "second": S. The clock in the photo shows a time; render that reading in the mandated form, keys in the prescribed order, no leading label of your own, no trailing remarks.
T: {"hour": 6, "minute": 5}
